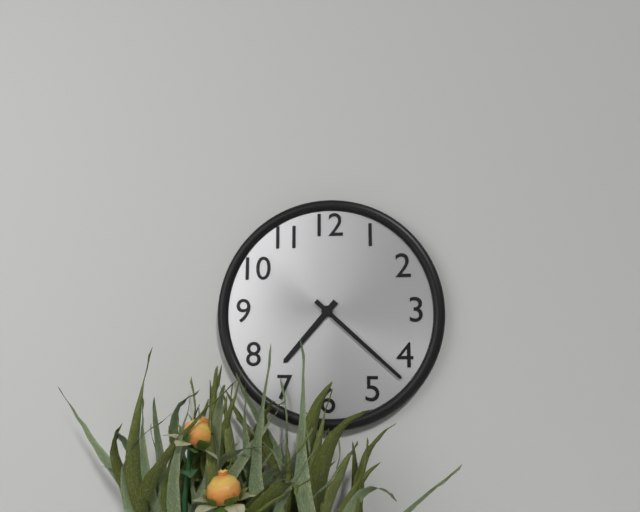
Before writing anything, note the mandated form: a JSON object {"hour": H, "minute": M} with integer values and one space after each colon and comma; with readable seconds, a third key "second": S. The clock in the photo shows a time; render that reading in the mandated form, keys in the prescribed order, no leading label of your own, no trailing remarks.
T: {"hour": 7, "minute": 22}
